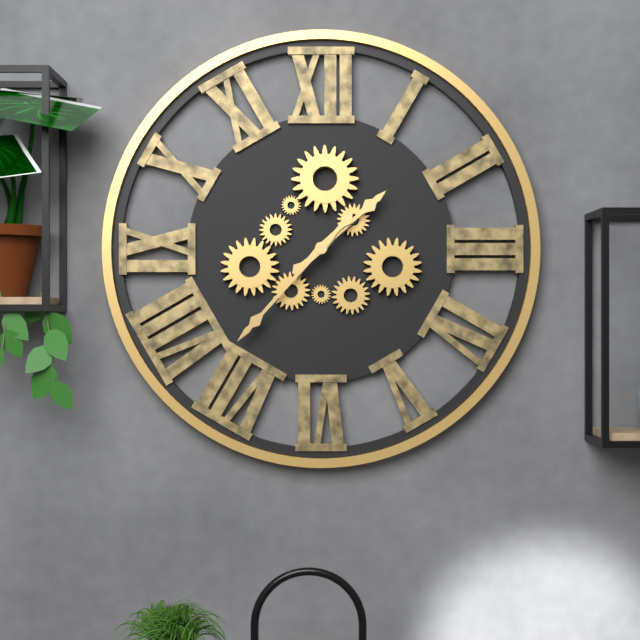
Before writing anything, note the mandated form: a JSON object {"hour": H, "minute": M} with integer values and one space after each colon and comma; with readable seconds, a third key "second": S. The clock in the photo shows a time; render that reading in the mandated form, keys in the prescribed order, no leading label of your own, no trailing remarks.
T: {"hour": 1, "minute": 37}
